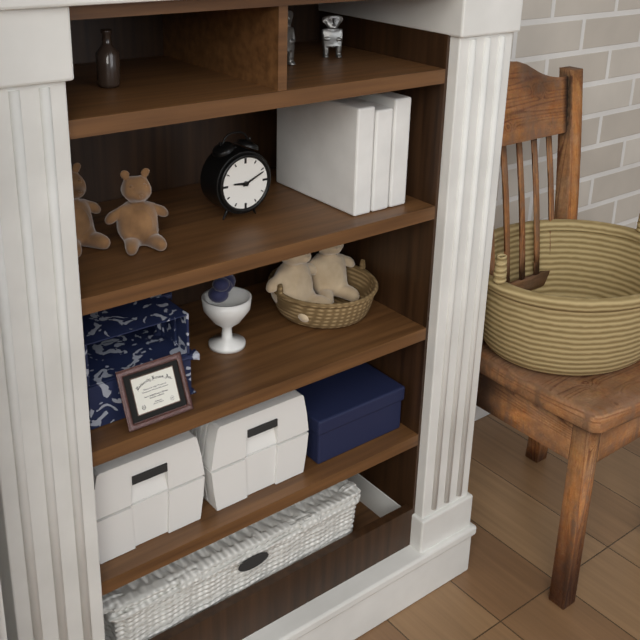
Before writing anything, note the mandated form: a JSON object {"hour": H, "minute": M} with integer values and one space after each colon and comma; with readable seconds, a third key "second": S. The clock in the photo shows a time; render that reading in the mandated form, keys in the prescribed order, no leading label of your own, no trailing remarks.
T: {"hour": 9, "minute": 11}
